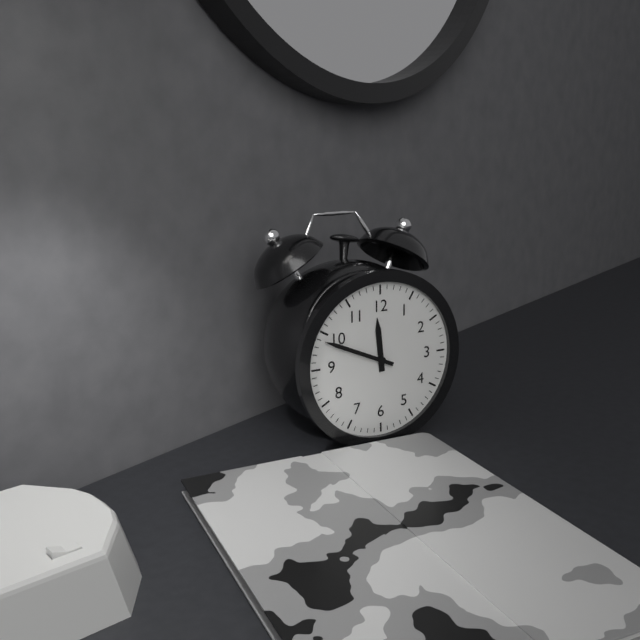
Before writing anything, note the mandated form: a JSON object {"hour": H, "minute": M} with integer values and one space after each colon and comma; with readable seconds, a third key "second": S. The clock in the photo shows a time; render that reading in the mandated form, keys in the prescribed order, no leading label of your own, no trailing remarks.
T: {"hour": 11, "minute": 49}
